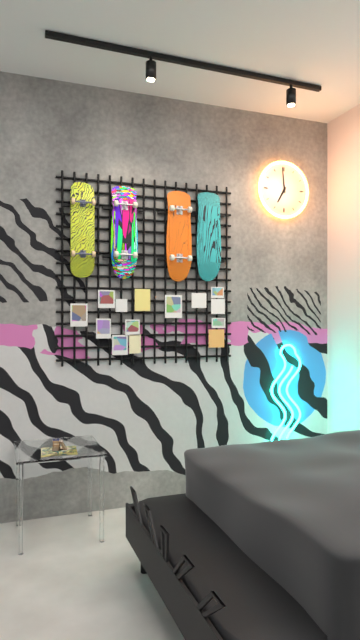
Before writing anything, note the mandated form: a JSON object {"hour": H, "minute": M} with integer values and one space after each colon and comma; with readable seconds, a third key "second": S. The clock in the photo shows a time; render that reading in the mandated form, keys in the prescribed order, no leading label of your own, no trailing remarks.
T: {"hour": 6, "minute": 59}
